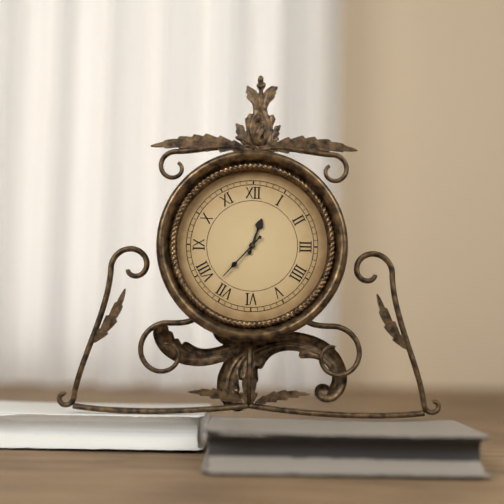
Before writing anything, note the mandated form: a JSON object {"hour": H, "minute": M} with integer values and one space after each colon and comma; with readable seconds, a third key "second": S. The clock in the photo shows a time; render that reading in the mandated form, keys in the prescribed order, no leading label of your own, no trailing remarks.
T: {"hour": 12, "minute": 37}
